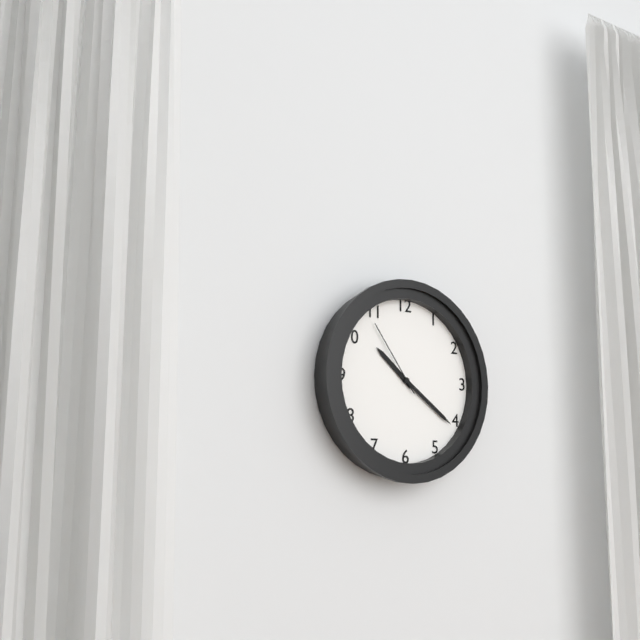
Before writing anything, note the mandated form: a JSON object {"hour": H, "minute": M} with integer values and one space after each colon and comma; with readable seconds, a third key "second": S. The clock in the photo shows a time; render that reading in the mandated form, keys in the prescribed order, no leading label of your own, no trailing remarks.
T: {"hour": 10, "minute": 21, "second": 54}
